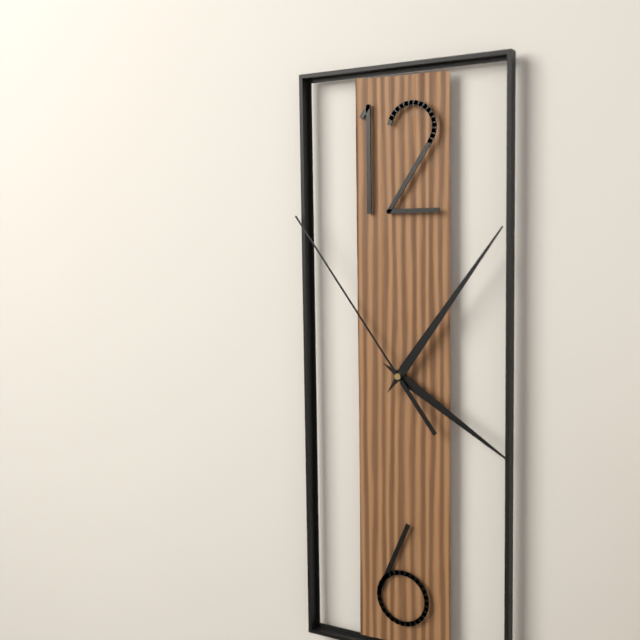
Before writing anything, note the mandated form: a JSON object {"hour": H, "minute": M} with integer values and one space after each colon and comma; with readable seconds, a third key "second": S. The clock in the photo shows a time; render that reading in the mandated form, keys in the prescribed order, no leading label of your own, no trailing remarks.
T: {"hour": 4, "minute": 6, "second": 54}
